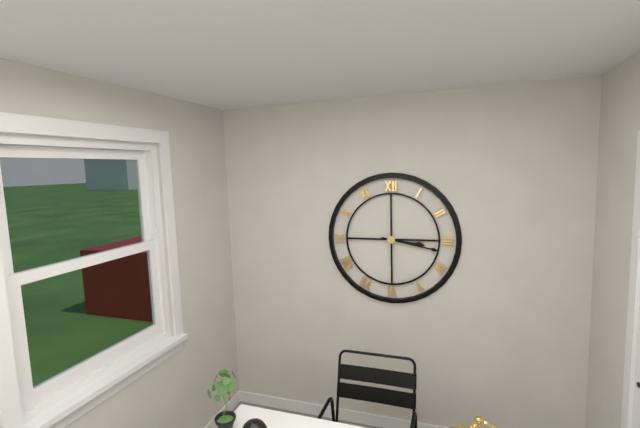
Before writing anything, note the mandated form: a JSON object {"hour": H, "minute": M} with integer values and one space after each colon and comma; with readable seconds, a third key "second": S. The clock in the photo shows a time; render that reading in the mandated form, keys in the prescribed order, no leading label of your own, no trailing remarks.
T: {"hour": 3, "minute": 17}
